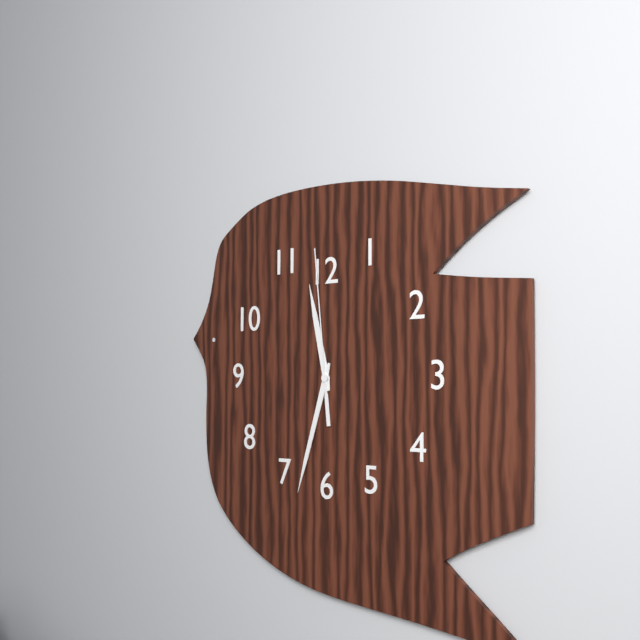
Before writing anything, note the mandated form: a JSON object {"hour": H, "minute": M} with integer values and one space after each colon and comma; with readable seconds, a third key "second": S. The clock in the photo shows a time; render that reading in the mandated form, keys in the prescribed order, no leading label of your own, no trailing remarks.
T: {"hour": 11, "minute": 33, "second": 59}
